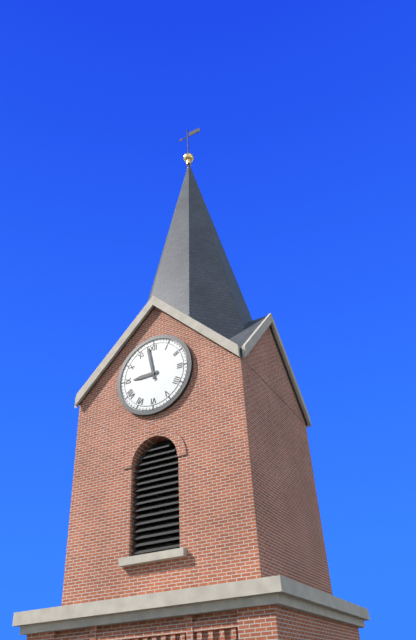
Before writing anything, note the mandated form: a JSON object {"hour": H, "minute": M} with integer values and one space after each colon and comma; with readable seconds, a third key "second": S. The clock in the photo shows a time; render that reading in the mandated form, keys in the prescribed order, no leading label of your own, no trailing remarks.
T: {"hour": 8, "minute": 58}
